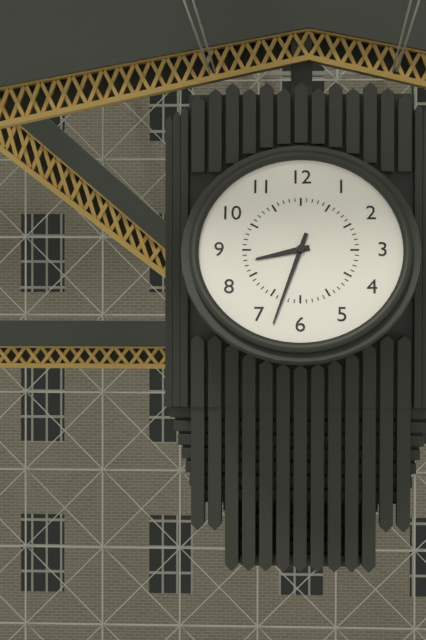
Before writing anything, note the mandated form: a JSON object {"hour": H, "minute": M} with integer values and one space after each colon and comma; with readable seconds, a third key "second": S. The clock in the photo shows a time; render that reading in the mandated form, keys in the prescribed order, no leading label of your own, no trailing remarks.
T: {"hour": 8, "minute": 33}
